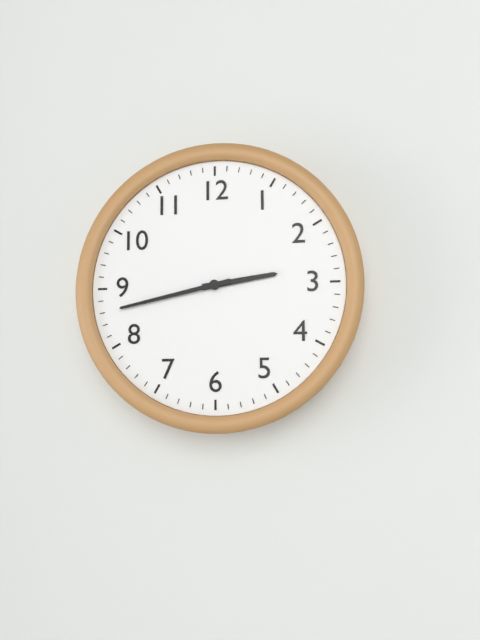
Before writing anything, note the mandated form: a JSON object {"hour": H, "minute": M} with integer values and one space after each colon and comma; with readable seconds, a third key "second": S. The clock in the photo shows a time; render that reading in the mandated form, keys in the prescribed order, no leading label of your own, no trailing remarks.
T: {"hour": 2, "minute": 43}
